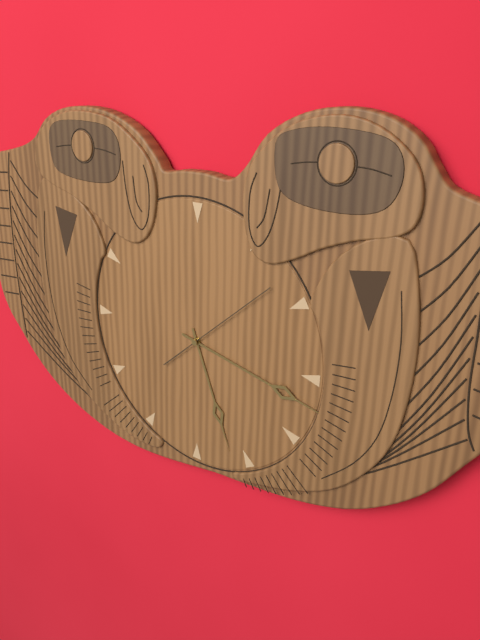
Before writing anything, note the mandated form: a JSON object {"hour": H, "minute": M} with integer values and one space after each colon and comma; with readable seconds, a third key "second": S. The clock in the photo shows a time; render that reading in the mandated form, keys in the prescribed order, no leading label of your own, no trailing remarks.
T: {"hour": 5, "minute": 17, "second": 8}
